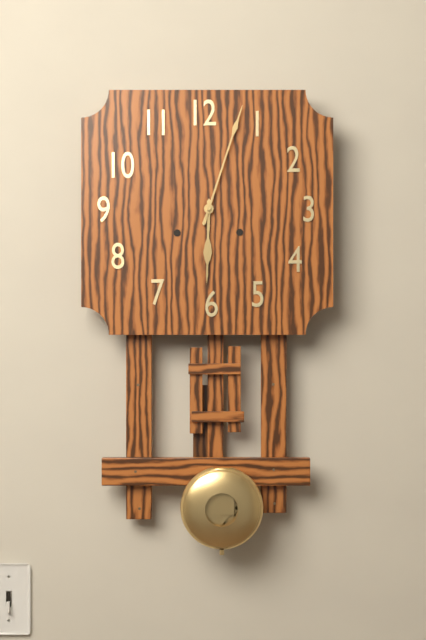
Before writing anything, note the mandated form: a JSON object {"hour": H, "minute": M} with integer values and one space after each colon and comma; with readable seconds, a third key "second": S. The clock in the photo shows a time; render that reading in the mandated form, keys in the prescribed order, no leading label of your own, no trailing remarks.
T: {"hour": 6, "minute": 3}
